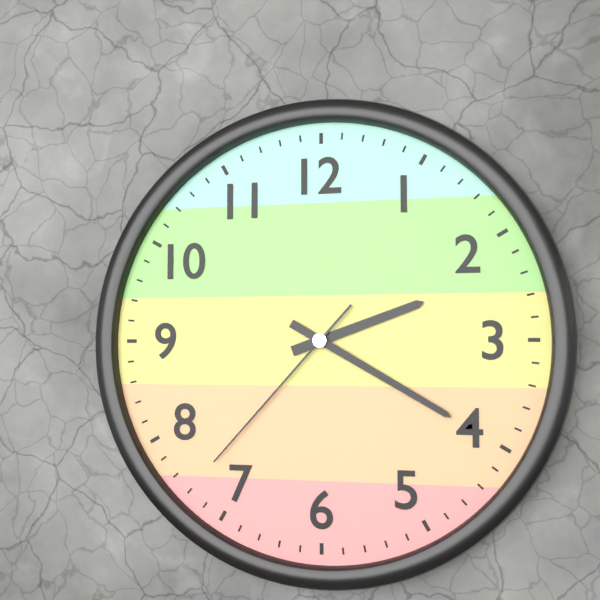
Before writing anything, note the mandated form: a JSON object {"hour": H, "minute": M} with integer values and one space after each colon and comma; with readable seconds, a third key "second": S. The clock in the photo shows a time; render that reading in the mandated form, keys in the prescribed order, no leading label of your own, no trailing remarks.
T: {"hour": 2, "minute": 20, "second": 37}
